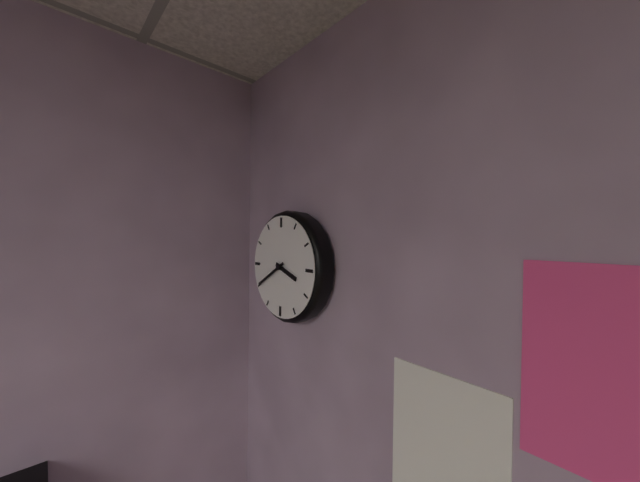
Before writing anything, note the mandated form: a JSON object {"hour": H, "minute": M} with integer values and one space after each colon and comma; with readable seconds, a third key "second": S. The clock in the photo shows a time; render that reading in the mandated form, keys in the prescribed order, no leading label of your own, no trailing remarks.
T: {"hour": 3, "minute": 40}
